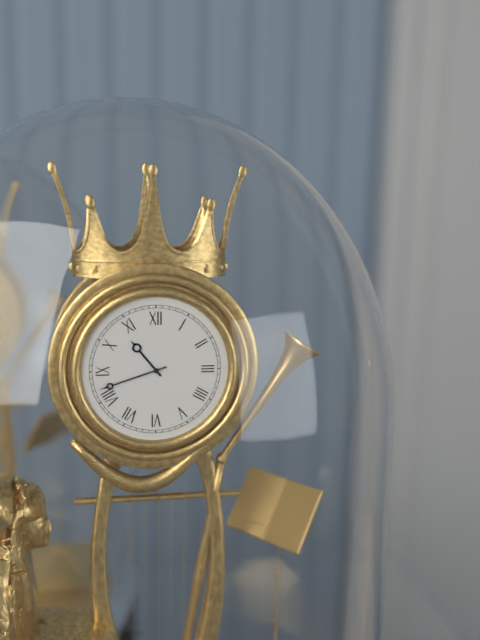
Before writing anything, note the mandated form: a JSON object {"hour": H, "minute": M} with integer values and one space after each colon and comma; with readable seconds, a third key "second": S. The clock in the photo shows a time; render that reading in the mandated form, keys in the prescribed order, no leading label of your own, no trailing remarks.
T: {"hour": 10, "minute": 42}
